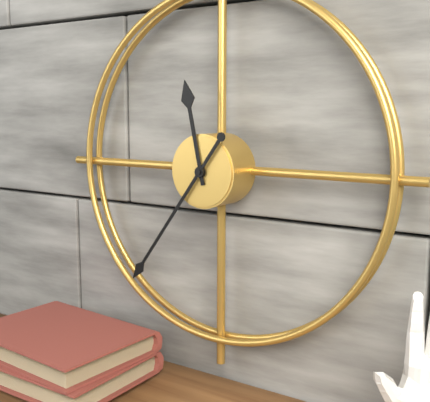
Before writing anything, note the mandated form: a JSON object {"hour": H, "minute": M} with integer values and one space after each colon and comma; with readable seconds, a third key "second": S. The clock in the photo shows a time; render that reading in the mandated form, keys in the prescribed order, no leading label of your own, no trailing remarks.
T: {"hour": 11, "minute": 36}
